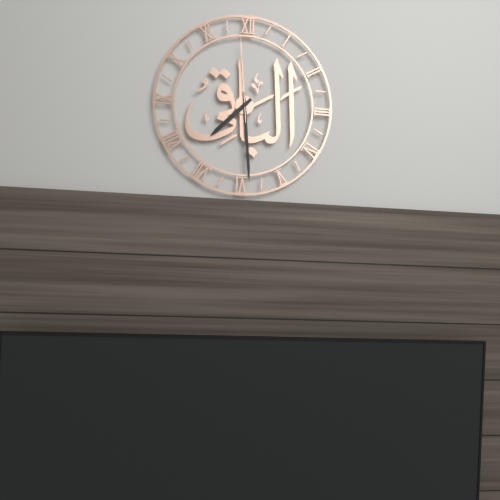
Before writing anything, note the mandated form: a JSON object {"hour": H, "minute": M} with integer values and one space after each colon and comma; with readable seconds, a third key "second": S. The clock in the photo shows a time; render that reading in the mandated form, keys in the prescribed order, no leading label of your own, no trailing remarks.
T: {"hour": 7, "minute": 29, "second": 59}
